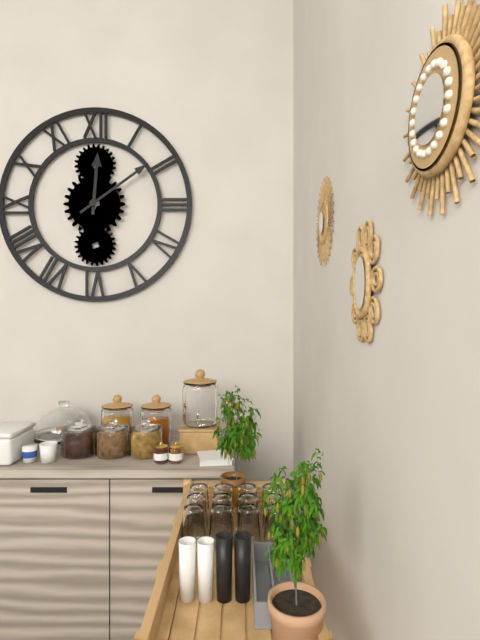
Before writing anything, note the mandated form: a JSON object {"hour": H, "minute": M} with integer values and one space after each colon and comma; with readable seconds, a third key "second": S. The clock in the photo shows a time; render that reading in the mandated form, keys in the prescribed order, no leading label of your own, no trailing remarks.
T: {"hour": 12, "minute": 9}
